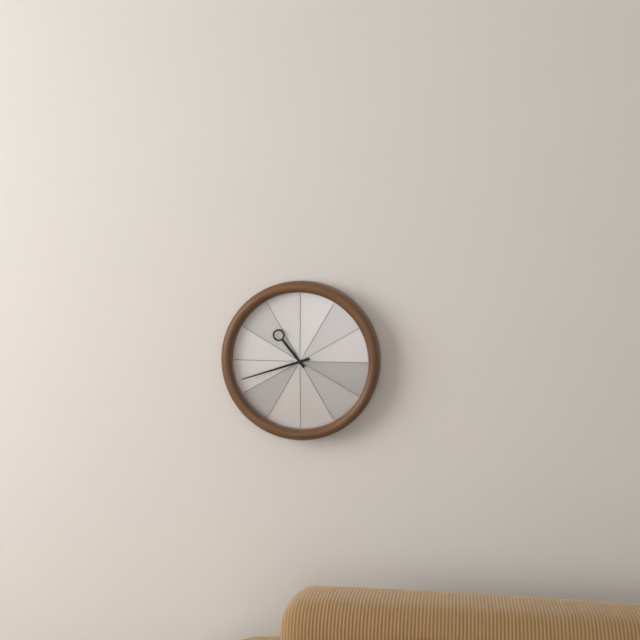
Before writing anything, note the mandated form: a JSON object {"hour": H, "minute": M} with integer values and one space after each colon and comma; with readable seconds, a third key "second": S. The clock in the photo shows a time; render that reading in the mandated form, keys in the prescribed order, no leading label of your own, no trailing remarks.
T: {"hour": 10, "minute": 42}
